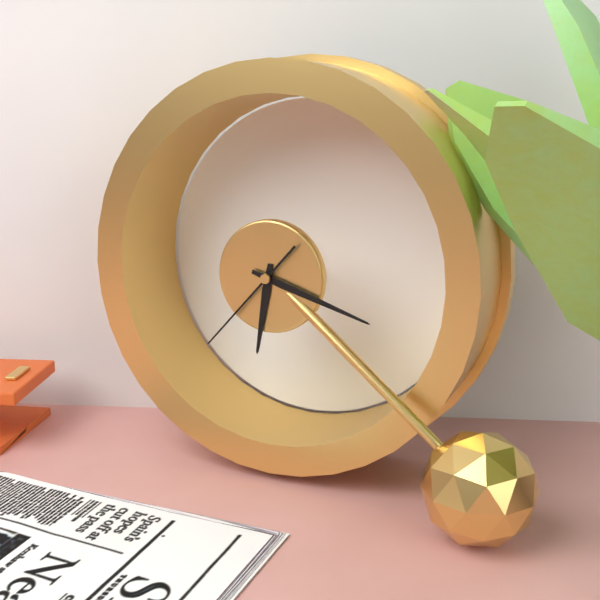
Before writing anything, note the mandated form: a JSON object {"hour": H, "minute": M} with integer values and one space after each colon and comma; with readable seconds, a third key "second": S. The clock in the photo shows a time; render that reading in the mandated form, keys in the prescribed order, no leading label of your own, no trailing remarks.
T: {"hour": 6, "minute": 18, "second": 37}
